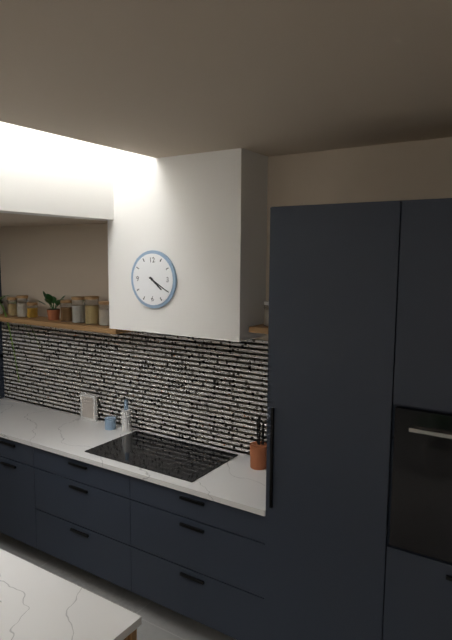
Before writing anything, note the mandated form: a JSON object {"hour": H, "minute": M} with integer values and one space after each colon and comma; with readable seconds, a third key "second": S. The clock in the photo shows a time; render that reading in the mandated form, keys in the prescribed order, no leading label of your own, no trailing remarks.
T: {"hour": 4, "minute": 20}
